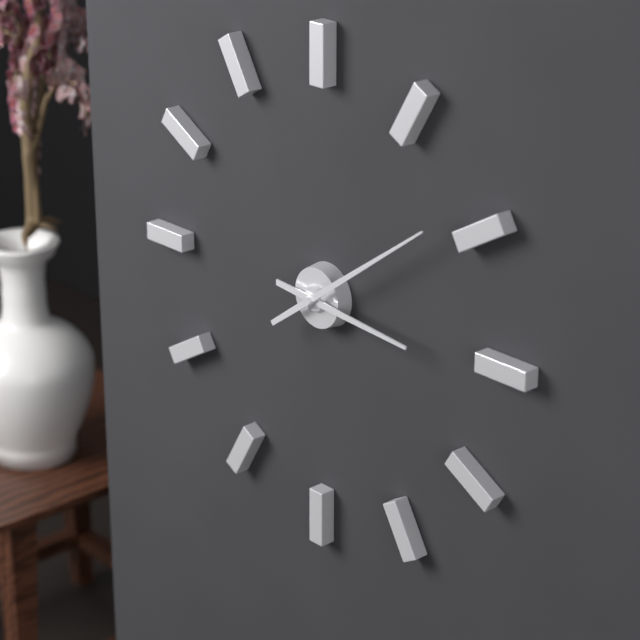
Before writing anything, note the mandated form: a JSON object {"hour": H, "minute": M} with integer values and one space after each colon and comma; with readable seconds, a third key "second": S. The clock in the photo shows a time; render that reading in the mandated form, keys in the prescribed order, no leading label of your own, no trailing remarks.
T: {"hour": 3, "minute": 9}
